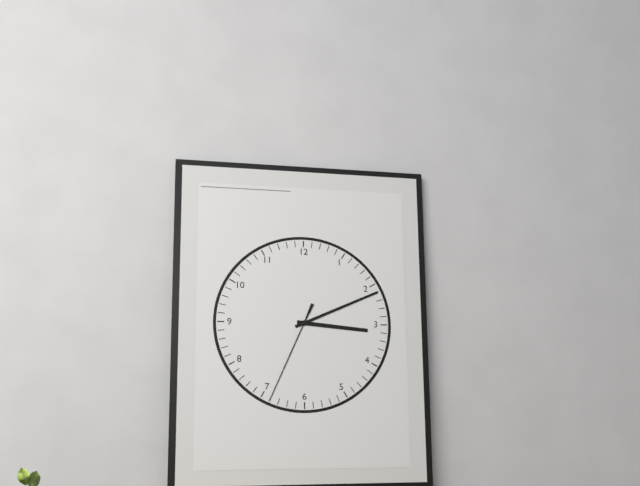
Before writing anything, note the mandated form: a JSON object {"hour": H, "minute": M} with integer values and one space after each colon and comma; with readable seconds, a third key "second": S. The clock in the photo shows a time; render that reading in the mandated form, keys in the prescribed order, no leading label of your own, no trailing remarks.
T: {"hour": 3, "minute": 11, "second": 34}
